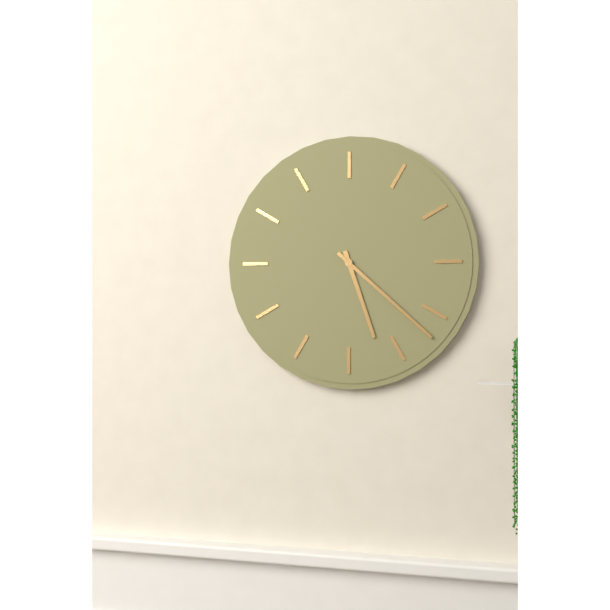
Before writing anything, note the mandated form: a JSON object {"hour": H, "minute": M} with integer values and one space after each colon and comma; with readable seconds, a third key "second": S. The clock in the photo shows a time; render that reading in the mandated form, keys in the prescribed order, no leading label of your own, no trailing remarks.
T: {"hour": 5, "minute": 22}
